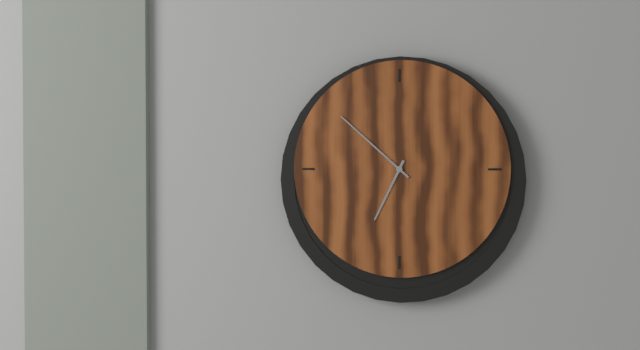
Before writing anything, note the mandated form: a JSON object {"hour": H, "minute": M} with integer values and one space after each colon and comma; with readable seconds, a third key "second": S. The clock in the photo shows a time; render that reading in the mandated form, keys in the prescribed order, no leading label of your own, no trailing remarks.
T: {"hour": 6, "minute": 52}
